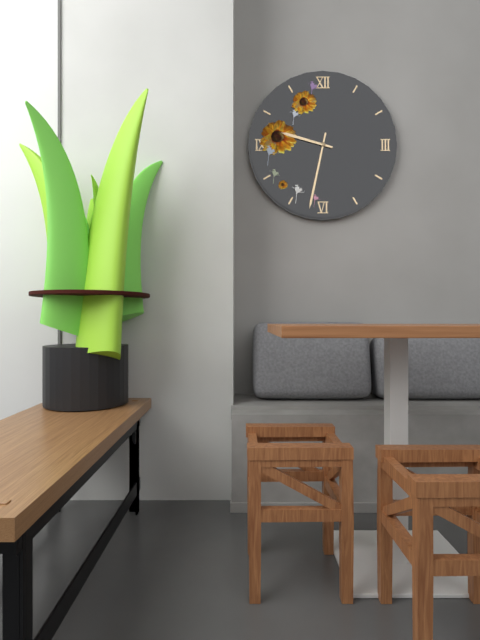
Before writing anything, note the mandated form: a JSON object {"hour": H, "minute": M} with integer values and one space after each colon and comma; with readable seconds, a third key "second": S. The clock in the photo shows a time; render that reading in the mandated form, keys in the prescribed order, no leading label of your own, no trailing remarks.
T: {"hour": 9, "minute": 32}
